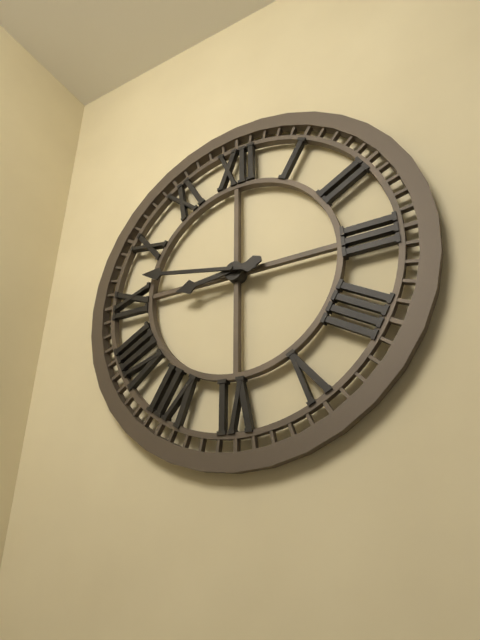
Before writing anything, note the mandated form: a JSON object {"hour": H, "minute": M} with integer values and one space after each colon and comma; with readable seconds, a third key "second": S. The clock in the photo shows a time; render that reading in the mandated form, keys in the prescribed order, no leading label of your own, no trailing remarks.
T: {"hour": 8, "minute": 47}
